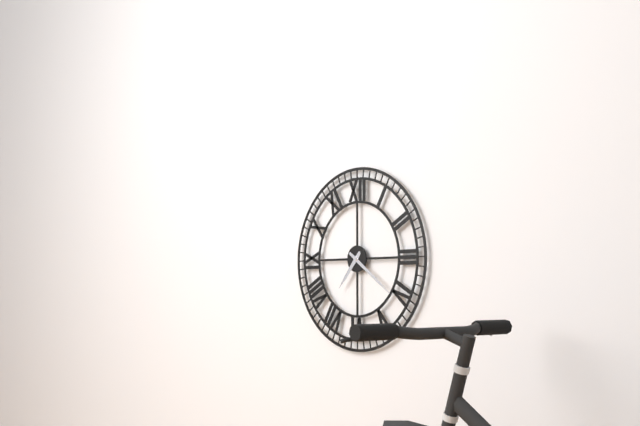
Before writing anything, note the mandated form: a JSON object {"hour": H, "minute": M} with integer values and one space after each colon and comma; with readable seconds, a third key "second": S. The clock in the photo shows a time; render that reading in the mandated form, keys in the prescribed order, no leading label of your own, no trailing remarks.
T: {"hour": 7, "minute": 21}
